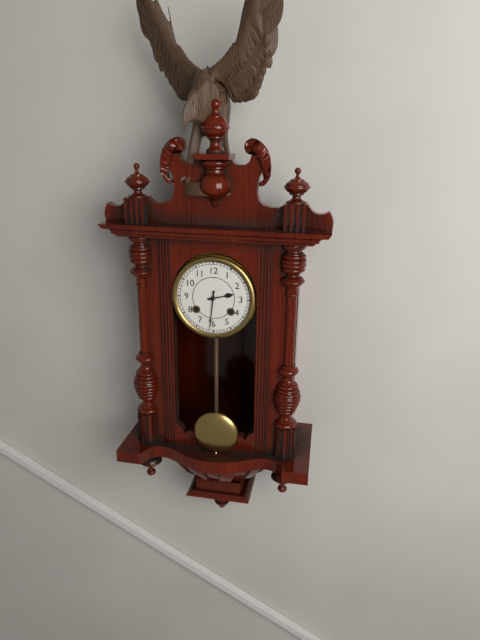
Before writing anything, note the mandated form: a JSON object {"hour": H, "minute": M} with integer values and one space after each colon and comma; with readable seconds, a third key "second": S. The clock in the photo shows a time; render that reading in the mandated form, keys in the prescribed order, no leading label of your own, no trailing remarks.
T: {"hour": 2, "minute": 31}
